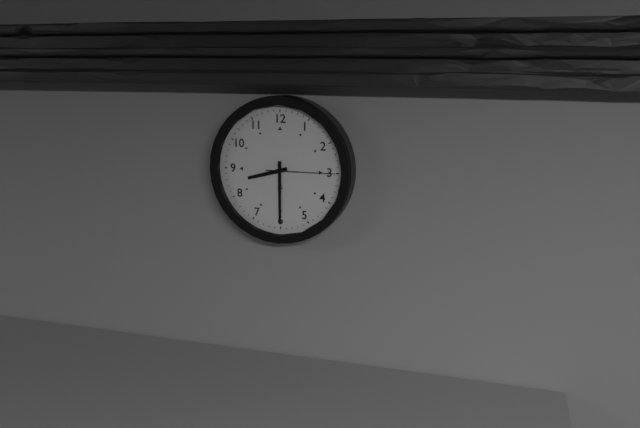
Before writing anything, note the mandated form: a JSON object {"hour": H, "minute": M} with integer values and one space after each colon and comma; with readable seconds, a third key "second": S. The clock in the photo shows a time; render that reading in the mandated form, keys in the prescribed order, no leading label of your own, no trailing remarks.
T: {"hour": 8, "minute": 30, "second": 15}
